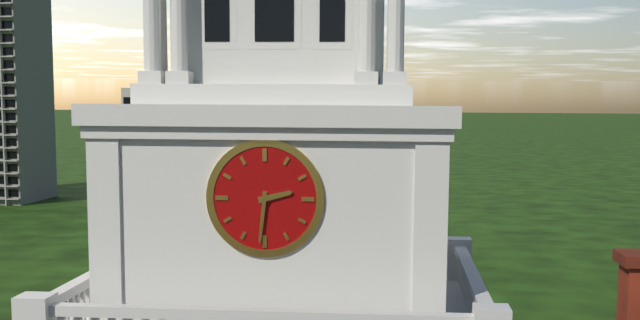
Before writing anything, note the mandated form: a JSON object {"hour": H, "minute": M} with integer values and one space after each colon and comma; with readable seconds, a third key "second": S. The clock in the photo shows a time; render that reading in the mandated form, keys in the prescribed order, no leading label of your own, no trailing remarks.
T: {"hour": 2, "minute": 31}
